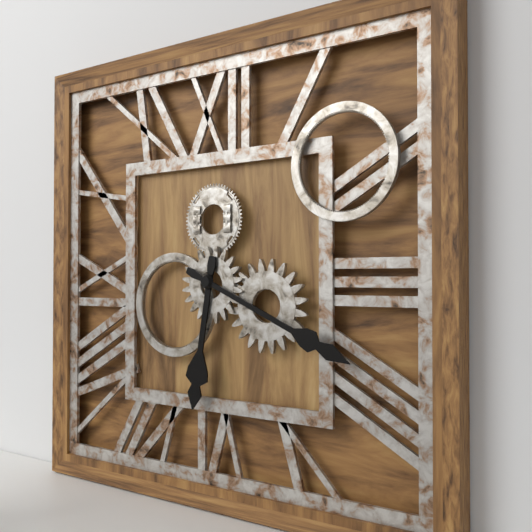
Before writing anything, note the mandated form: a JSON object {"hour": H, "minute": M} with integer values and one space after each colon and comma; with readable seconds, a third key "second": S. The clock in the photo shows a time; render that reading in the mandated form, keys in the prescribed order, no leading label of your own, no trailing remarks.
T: {"hour": 6, "minute": 19}
